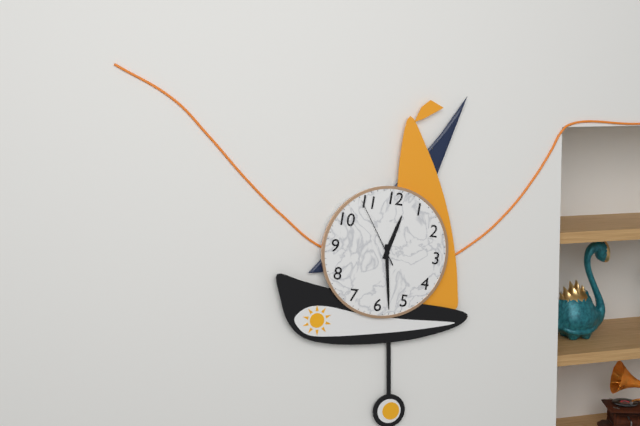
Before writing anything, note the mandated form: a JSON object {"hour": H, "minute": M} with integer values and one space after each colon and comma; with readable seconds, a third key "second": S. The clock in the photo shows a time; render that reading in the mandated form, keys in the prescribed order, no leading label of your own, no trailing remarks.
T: {"hour": 12, "minute": 28, "second": 54}
